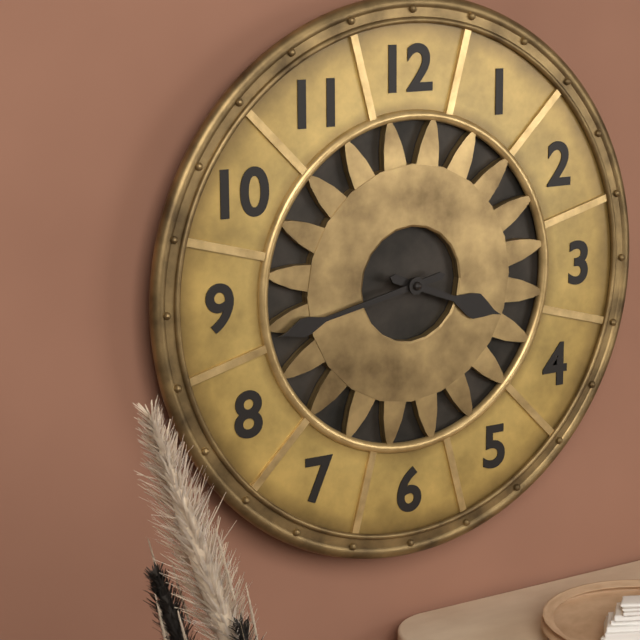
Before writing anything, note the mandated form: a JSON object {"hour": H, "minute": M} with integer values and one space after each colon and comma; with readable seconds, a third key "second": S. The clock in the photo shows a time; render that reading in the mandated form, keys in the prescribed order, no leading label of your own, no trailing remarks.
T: {"hour": 3, "minute": 43}
